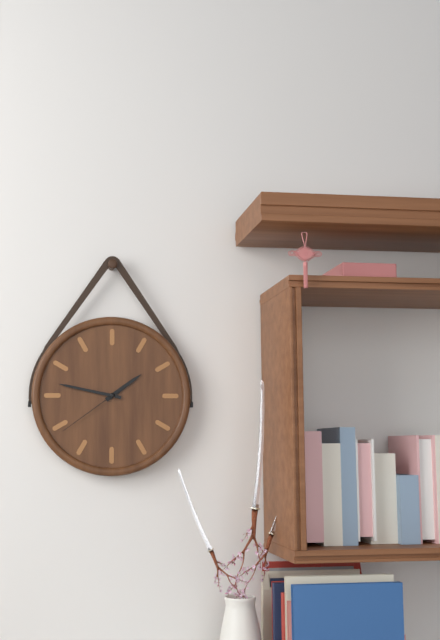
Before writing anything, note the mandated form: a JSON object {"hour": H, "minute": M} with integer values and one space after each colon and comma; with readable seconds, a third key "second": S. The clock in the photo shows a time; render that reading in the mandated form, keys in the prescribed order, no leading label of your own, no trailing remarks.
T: {"hour": 1, "minute": 47, "second": 39}
